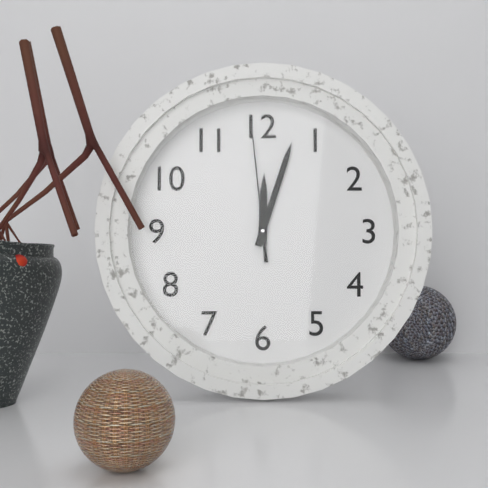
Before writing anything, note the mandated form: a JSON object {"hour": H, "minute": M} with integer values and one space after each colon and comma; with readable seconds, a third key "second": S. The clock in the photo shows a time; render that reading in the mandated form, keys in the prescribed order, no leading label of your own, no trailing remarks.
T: {"hour": 12, "minute": 3, "second": 59}
